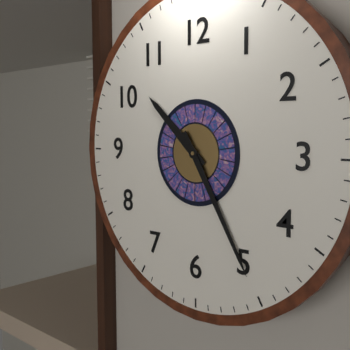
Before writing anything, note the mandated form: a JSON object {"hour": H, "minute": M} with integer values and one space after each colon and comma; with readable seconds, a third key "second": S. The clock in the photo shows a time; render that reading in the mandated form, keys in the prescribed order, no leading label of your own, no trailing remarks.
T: {"hour": 10, "minute": 25}
